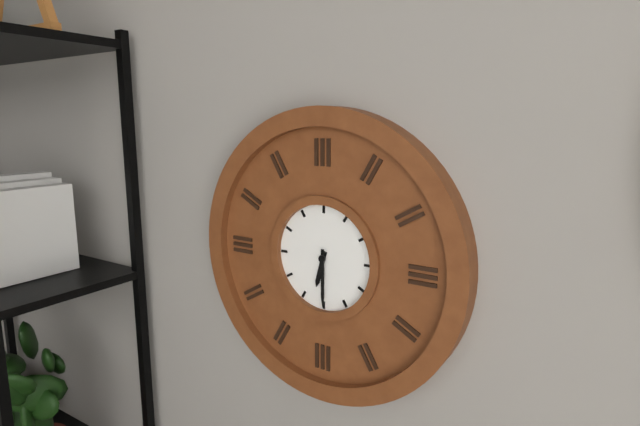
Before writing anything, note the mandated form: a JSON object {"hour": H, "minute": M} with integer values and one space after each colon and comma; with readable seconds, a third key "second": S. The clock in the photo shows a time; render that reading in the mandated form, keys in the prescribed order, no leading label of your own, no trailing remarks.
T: {"hour": 6, "minute": 30}
